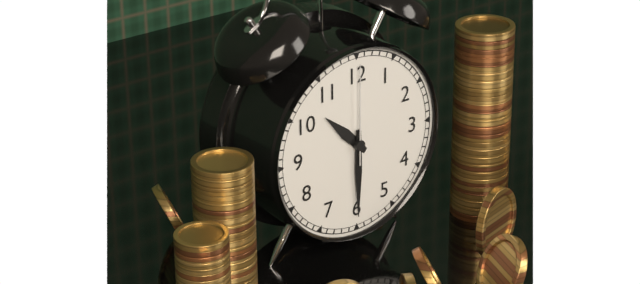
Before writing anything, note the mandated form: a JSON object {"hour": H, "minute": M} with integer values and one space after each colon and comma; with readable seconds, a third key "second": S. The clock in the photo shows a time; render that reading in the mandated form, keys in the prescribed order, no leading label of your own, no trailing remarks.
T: {"hour": 10, "minute": 30, "second": 0}
